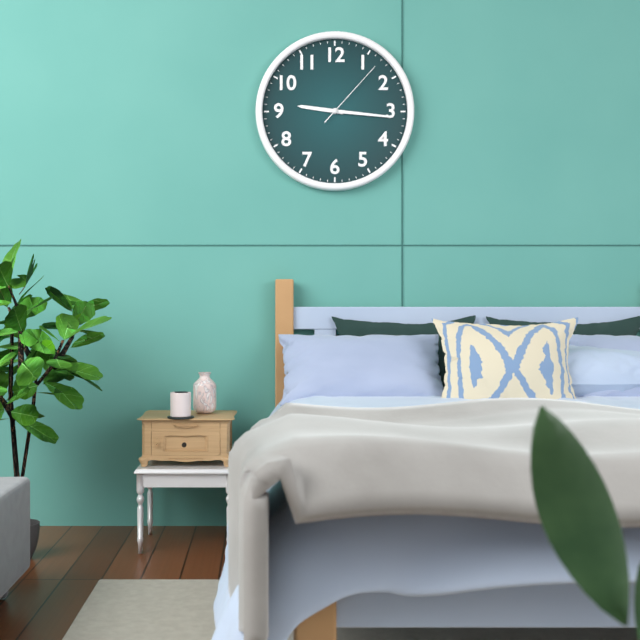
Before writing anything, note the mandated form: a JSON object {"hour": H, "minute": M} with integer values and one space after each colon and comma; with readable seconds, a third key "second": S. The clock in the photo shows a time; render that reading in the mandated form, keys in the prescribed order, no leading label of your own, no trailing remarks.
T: {"hour": 9, "minute": 16, "second": 7}
